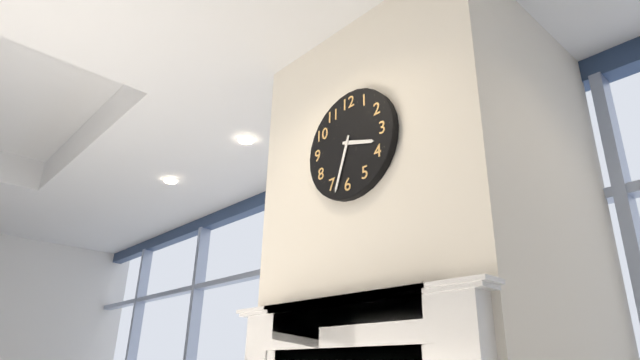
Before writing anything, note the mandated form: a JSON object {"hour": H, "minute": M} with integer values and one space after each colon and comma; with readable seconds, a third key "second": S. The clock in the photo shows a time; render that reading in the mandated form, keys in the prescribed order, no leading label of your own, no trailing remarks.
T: {"hour": 3, "minute": 33}
